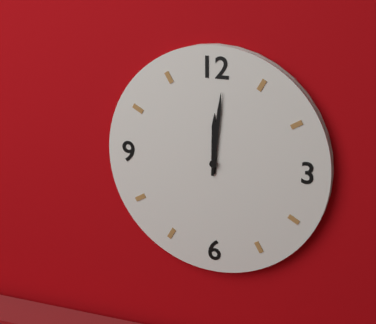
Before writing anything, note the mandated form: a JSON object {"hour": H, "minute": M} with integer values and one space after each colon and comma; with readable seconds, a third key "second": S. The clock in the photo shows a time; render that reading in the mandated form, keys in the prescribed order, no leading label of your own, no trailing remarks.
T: {"hour": 12, "minute": 1}
